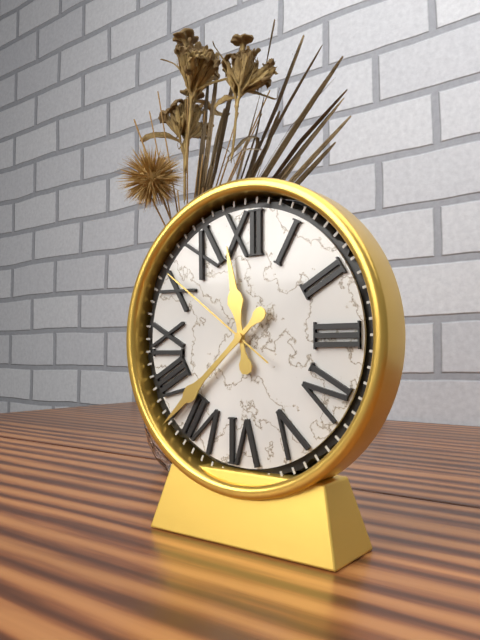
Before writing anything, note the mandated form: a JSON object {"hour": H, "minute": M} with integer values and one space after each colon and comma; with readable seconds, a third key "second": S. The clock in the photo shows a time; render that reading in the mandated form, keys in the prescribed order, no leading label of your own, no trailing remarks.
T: {"hour": 11, "minute": 38, "second": 51}
